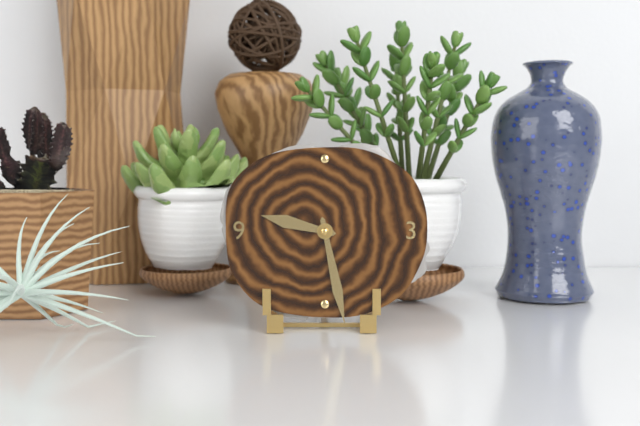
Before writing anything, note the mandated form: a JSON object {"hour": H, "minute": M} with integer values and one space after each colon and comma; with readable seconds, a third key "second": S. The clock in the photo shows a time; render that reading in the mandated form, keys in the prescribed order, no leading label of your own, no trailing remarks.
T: {"hour": 9, "minute": 28}
